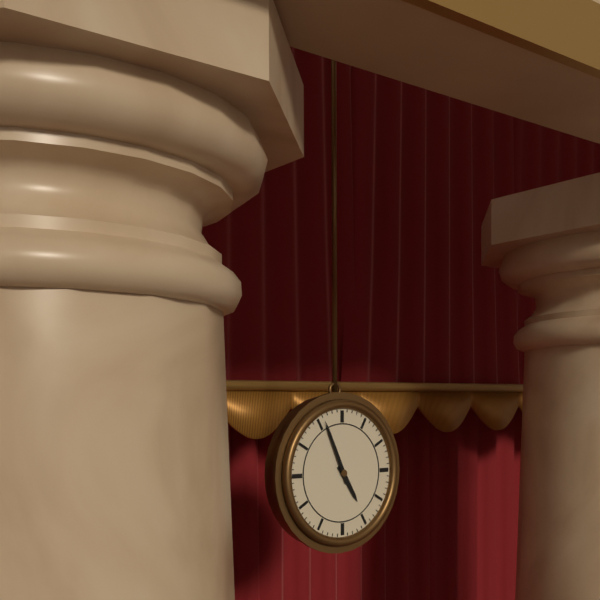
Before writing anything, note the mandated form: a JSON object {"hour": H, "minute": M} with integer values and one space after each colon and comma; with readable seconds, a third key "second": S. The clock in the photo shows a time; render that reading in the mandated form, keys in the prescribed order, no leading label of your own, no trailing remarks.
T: {"hour": 4, "minute": 56}
